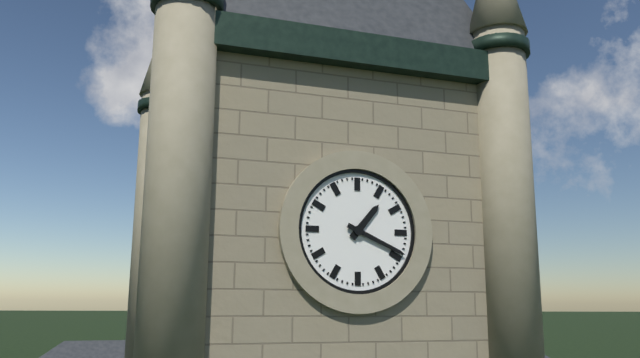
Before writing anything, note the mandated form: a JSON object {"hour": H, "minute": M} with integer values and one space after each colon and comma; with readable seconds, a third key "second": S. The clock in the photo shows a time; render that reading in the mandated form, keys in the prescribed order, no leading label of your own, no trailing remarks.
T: {"hour": 1, "minute": 19}
